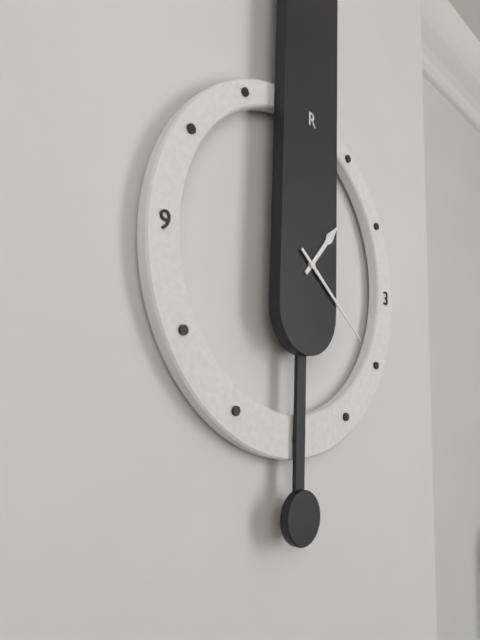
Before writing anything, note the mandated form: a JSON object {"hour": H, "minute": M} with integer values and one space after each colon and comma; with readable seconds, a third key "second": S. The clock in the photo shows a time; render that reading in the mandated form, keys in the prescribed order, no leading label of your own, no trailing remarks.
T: {"hour": 1, "minute": 21}
